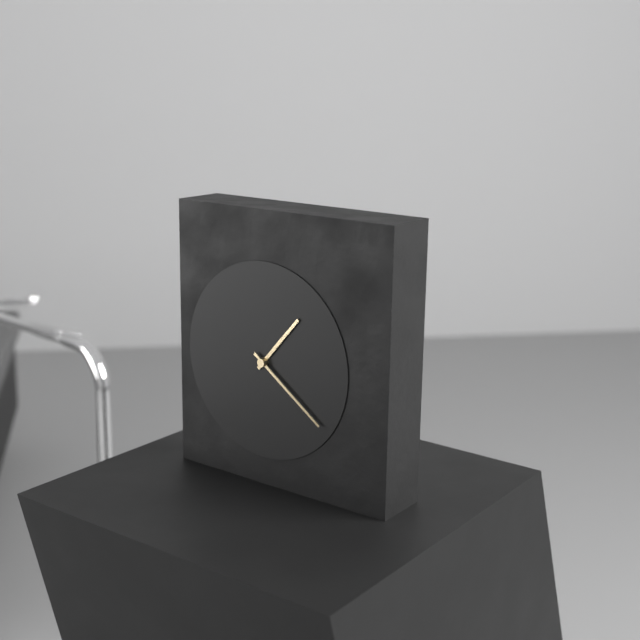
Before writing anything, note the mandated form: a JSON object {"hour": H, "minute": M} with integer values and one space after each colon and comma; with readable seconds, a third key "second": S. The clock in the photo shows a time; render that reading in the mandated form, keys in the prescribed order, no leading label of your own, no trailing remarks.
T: {"hour": 1, "minute": 21}
